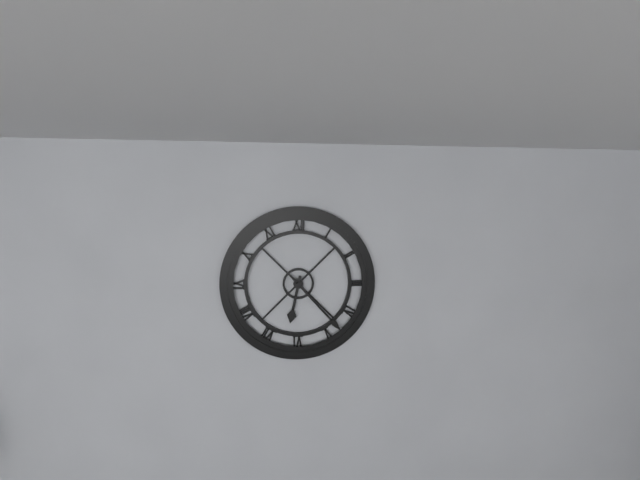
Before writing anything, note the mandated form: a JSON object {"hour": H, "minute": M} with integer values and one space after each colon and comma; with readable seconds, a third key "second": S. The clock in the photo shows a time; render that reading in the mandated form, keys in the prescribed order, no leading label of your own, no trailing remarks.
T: {"hour": 6, "minute": 23}
